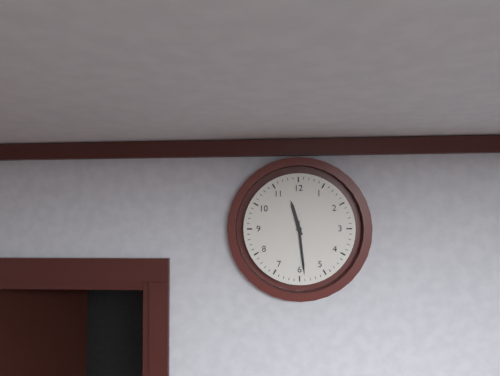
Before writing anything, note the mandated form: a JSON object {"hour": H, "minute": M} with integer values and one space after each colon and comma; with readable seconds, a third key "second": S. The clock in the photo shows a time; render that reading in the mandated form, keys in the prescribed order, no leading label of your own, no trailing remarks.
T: {"hour": 11, "minute": 29}
